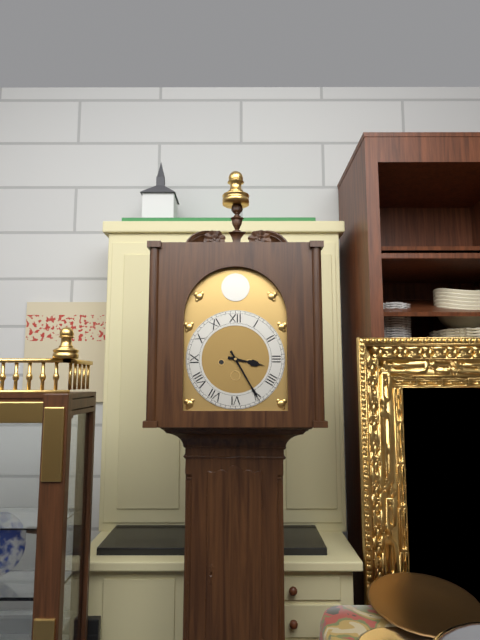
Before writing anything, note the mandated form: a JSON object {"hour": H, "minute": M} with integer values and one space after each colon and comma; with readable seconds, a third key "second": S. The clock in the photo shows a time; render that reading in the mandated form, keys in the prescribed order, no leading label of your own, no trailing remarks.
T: {"hour": 3, "minute": 25}
